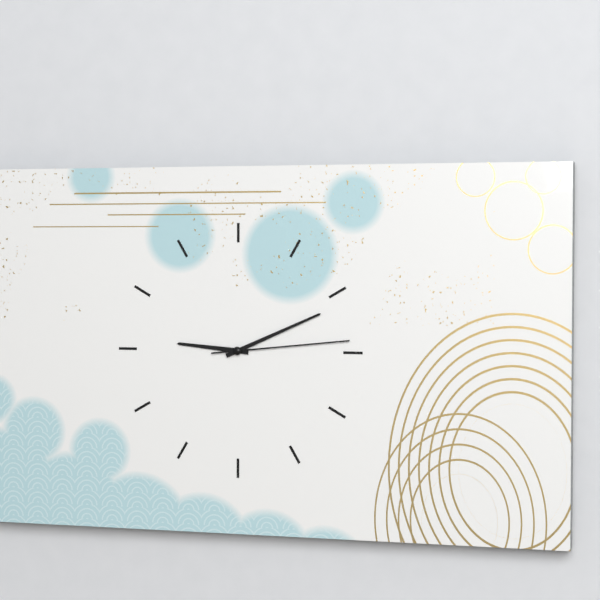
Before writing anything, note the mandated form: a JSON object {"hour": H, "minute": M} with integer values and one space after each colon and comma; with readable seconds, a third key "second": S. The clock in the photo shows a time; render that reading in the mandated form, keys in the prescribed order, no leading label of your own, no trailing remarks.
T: {"hour": 9, "minute": 11, "second": 14}
